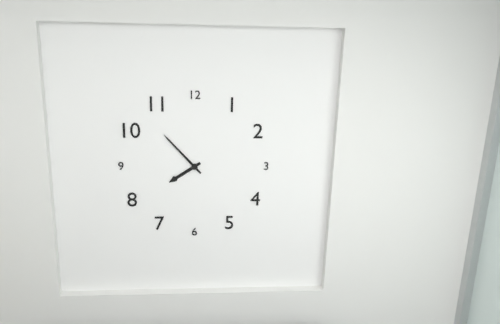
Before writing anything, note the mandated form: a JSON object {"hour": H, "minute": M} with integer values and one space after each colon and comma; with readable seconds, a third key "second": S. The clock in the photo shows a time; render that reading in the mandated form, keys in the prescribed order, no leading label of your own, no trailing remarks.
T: {"hour": 7, "minute": 53}
